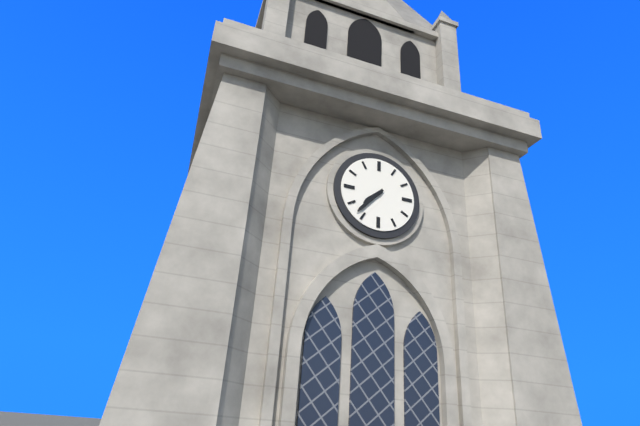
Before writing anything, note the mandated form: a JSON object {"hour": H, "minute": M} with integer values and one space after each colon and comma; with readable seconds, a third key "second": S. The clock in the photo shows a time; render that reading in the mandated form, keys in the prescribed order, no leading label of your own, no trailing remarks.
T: {"hour": 7, "minute": 37}
